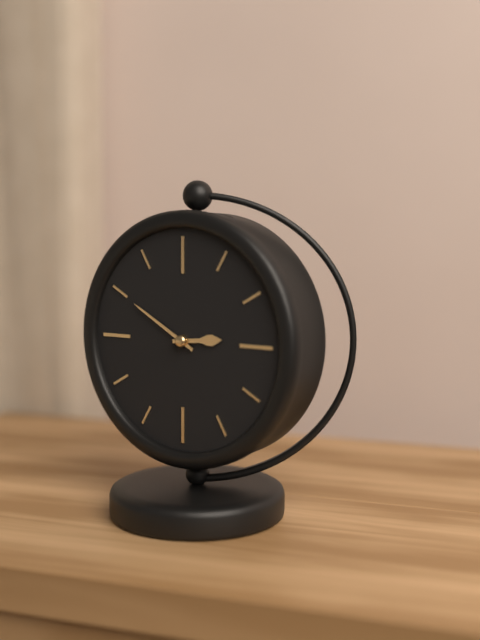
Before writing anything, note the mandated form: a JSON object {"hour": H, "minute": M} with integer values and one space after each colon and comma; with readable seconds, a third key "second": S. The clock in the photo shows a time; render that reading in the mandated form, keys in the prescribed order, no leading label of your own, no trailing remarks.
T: {"hour": 2, "minute": 50}
